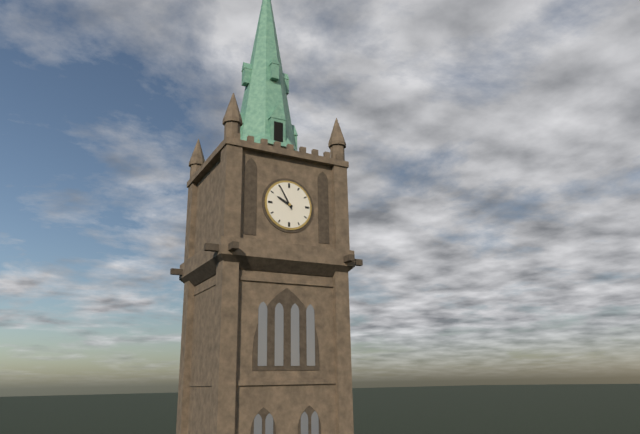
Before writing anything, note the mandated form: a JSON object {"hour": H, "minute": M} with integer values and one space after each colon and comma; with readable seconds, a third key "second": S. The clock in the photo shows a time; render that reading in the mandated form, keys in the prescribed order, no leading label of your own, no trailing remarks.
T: {"hour": 9, "minute": 55}
